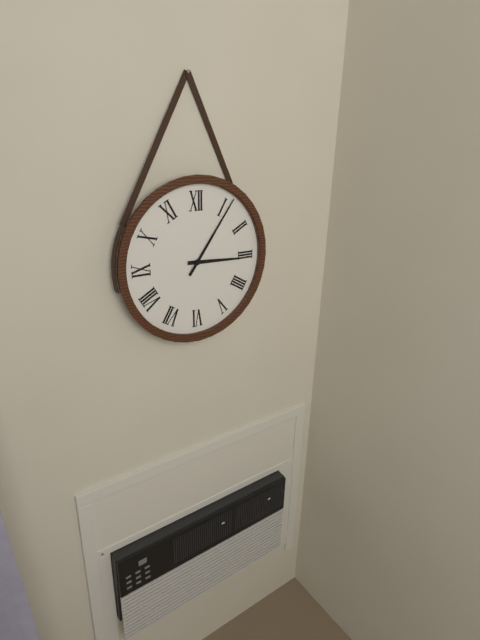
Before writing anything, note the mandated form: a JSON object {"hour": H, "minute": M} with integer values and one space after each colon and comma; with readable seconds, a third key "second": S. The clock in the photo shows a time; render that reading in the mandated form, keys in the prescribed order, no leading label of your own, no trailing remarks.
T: {"hour": 3, "minute": 6}
